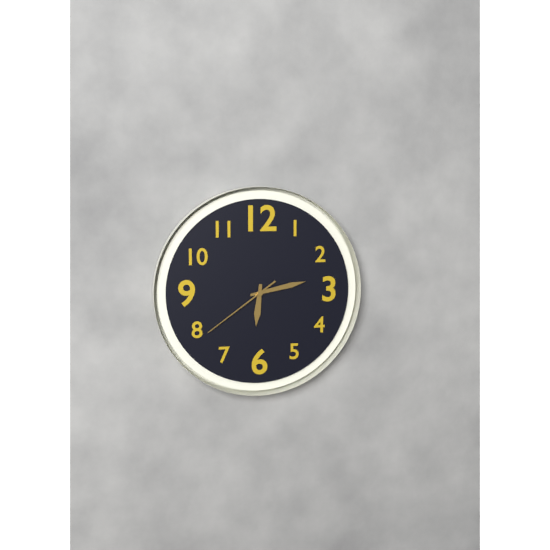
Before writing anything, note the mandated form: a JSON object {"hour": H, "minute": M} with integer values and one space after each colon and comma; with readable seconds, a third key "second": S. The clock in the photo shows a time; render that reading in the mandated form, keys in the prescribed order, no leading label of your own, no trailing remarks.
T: {"hour": 6, "minute": 13, "second": 39}
